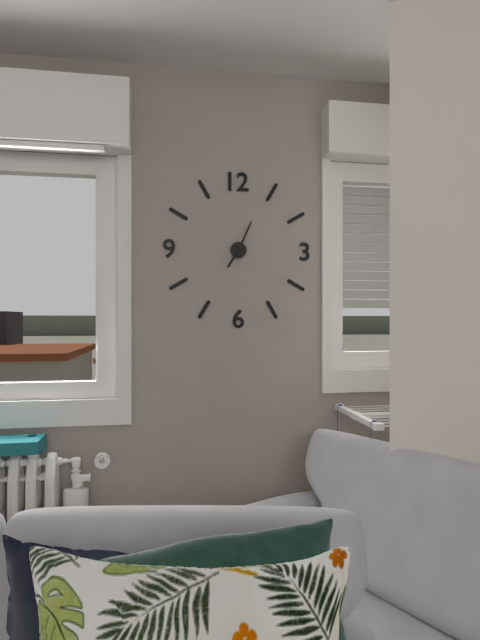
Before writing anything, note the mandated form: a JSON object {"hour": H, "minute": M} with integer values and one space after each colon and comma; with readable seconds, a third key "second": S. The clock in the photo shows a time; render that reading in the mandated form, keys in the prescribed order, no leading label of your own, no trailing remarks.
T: {"hour": 7, "minute": 4}
